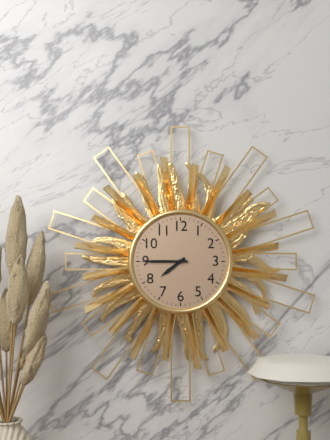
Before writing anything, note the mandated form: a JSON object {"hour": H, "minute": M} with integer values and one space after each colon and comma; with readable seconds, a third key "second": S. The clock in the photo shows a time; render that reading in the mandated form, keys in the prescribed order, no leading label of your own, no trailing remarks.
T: {"hour": 7, "minute": 45}
